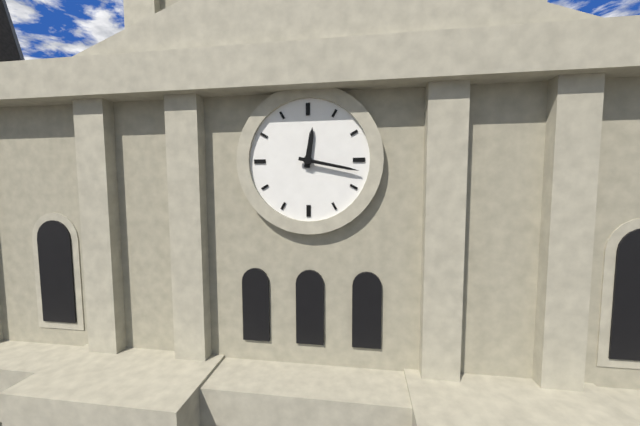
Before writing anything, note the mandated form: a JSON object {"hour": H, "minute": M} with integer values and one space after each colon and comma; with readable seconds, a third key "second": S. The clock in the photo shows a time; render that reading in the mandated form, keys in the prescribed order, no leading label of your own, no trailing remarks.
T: {"hour": 12, "minute": 17}
